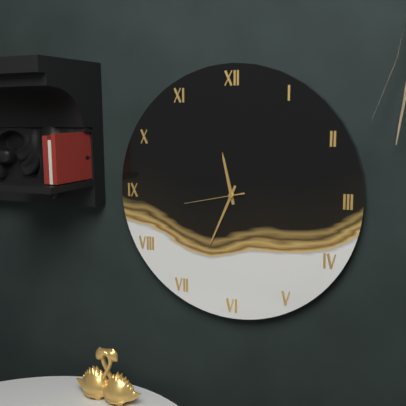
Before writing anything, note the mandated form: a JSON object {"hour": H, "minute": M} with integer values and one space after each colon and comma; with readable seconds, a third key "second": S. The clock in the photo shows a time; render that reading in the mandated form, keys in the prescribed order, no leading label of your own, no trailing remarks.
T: {"hour": 11, "minute": 34, "second": 43}
